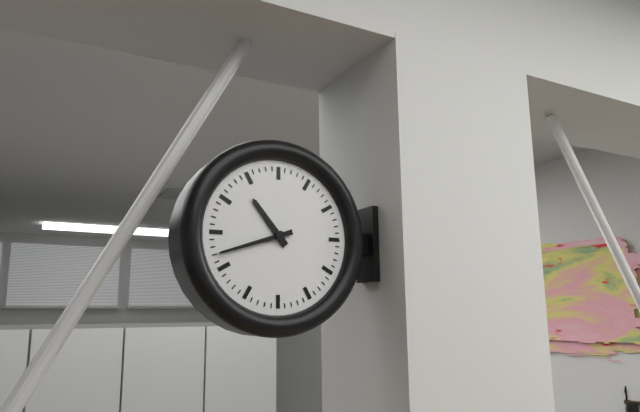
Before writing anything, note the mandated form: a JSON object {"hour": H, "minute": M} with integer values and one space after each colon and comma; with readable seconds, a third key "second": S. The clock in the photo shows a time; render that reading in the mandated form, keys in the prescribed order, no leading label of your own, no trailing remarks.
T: {"hour": 10, "minute": 42}
